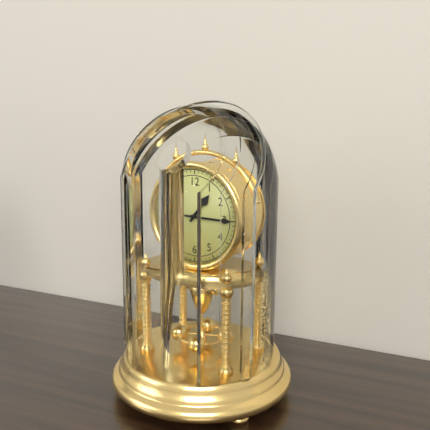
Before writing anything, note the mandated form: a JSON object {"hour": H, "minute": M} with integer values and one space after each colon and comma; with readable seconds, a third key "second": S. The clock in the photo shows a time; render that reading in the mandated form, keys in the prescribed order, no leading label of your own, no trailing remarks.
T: {"hour": 1, "minute": 15}
